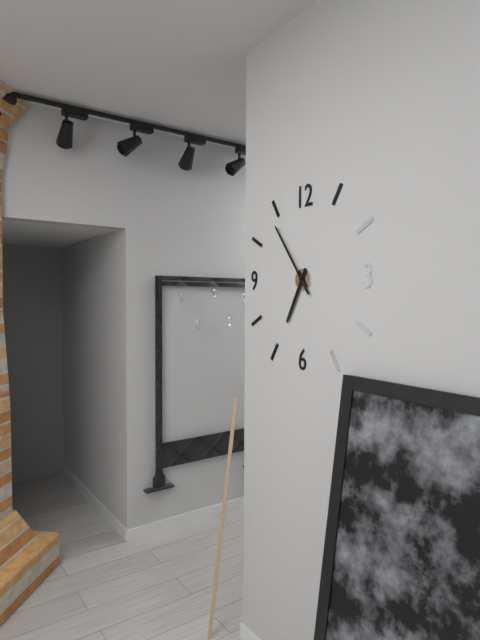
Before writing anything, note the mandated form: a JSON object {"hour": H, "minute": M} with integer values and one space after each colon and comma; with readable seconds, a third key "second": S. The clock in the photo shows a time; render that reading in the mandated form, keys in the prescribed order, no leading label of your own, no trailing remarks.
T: {"hour": 6, "minute": 54}
